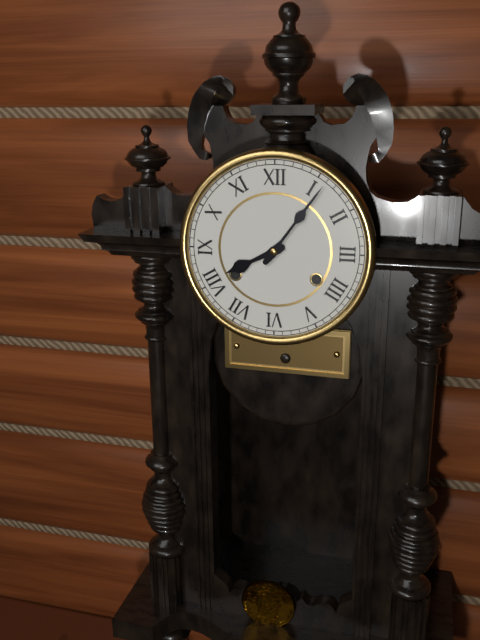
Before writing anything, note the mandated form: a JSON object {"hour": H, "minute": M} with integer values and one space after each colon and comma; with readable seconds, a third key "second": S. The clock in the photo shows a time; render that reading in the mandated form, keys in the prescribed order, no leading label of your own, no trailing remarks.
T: {"hour": 8, "minute": 6}
